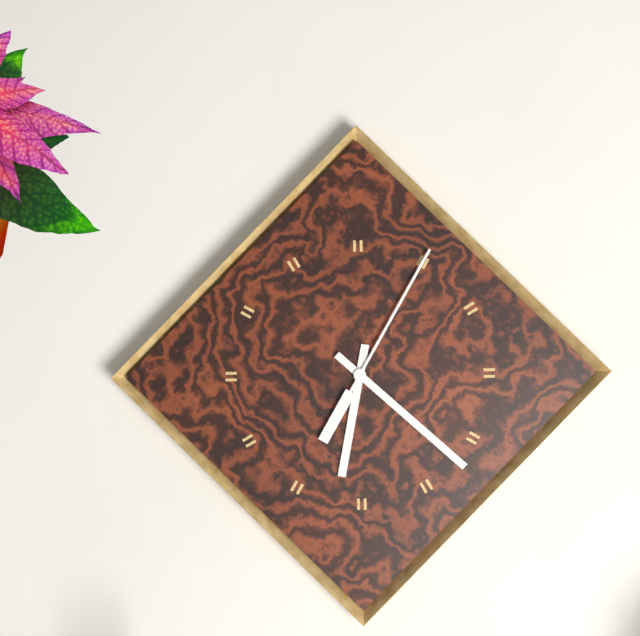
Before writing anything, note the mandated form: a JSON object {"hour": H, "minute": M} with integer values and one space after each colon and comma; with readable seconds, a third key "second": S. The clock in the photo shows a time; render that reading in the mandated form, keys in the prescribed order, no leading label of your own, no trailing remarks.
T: {"hour": 6, "minute": 22, "second": 5}
